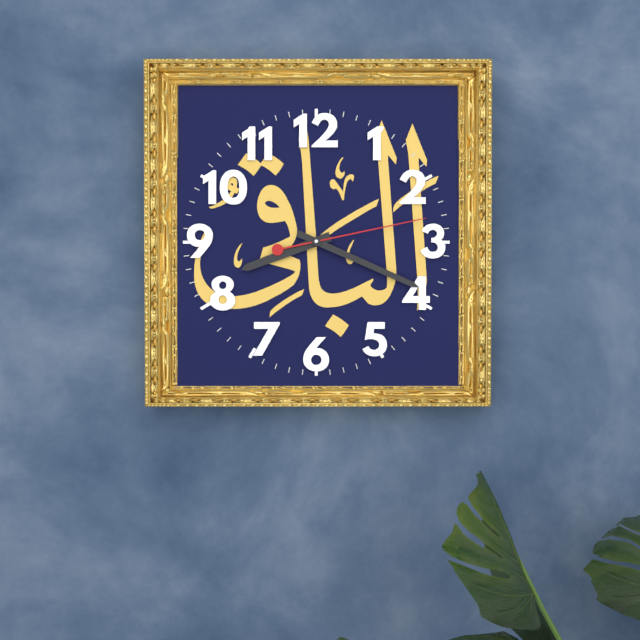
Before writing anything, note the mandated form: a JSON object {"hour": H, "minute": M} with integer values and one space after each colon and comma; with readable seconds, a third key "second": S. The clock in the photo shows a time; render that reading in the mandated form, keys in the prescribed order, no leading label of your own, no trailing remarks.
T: {"hour": 8, "minute": 19, "second": 13}
